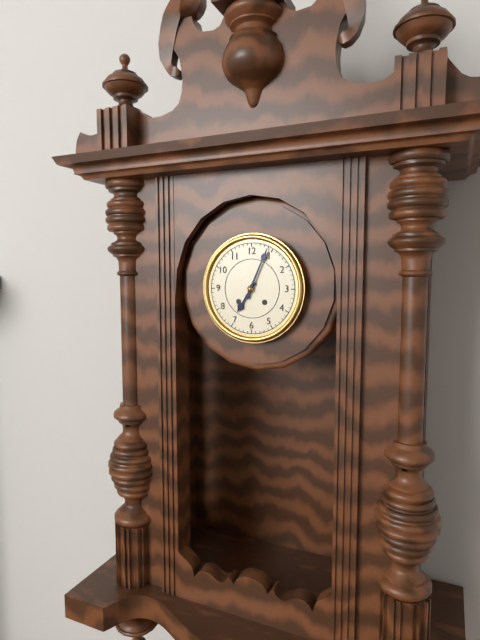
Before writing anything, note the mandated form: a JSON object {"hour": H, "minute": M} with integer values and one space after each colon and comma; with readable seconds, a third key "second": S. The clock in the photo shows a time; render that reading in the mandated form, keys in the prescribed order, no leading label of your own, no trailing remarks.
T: {"hour": 7, "minute": 4}
